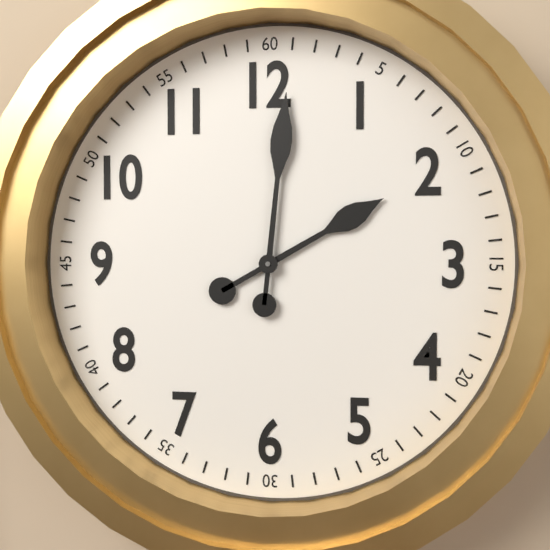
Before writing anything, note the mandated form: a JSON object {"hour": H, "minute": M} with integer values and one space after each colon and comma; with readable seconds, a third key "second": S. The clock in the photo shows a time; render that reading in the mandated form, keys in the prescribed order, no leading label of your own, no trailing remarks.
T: {"hour": 2, "minute": 1}
